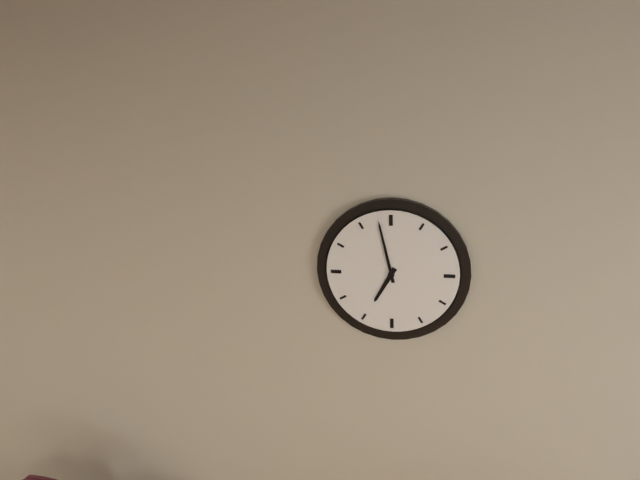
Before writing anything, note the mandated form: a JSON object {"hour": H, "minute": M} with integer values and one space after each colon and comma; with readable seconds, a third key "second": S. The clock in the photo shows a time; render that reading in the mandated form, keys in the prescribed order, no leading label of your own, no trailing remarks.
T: {"hour": 6, "minute": 58}
